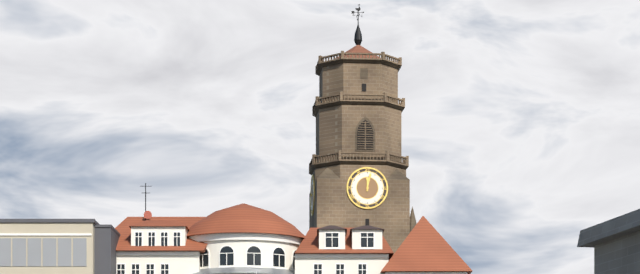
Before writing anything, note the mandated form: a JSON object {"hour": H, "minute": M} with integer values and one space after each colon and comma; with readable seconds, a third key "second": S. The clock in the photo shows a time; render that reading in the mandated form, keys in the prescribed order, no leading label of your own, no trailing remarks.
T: {"hour": 12, "minute": 2}
